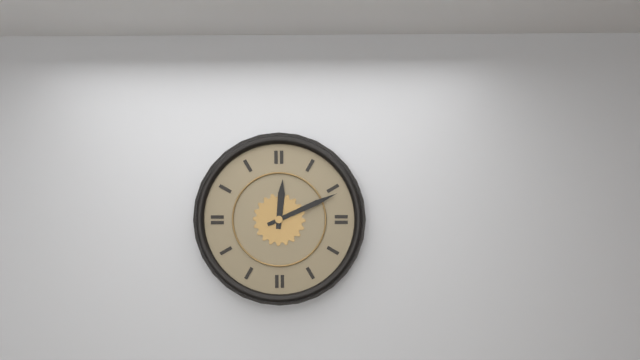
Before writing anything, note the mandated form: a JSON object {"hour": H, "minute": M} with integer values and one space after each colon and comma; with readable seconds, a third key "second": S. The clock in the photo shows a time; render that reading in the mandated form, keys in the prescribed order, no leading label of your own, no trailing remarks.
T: {"hour": 12, "minute": 11}
